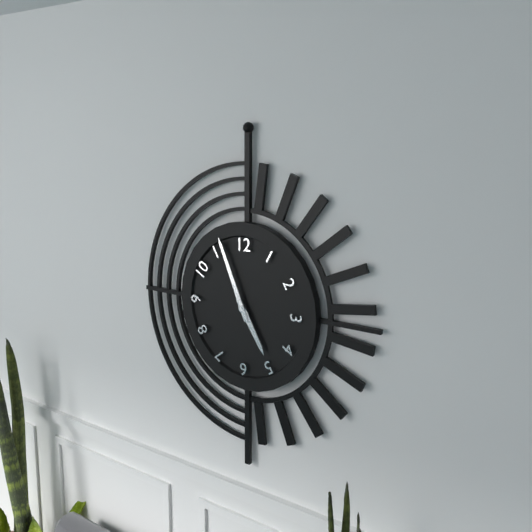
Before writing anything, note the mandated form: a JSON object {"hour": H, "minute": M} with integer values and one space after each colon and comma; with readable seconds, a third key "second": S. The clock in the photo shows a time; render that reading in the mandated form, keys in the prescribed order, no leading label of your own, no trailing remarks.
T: {"hour": 4, "minute": 56}
